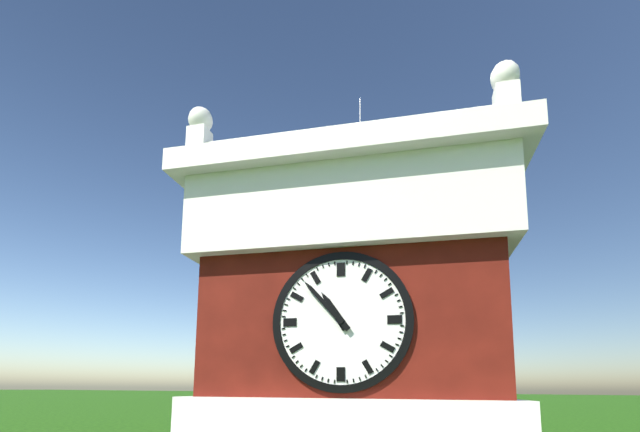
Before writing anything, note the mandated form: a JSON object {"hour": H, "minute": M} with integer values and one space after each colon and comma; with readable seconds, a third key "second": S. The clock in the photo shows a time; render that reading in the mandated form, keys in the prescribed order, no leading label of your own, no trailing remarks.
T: {"hour": 10, "minute": 53}
